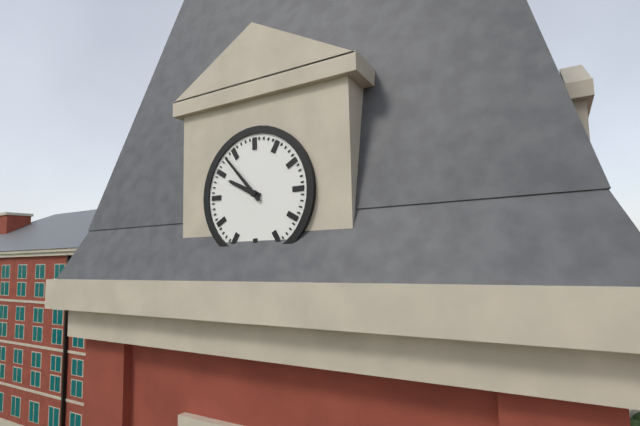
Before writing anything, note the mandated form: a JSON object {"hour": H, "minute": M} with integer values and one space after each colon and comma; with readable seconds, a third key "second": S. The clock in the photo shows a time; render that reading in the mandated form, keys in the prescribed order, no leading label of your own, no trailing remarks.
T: {"hour": 9, "minute": 53}
